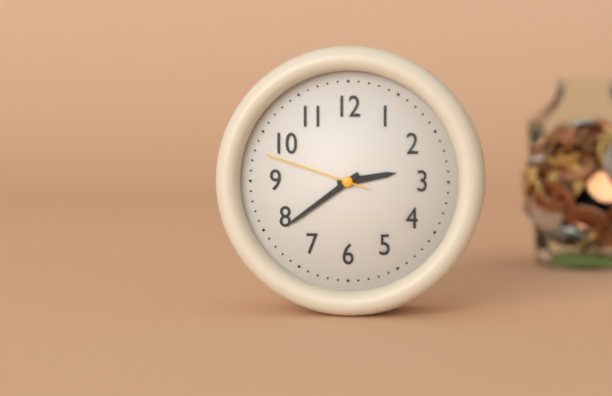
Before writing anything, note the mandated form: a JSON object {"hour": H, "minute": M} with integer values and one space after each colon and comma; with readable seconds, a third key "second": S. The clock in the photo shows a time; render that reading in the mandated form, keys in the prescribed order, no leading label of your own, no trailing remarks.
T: {"hour": 2, "minute": 39, "second": 48}
